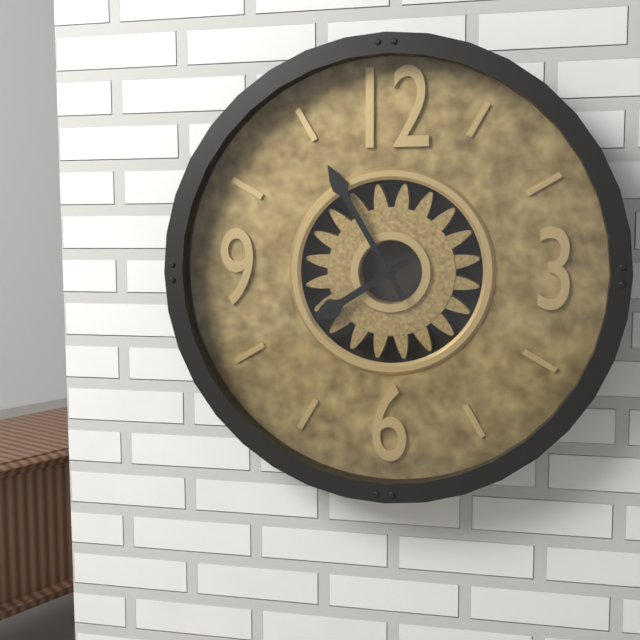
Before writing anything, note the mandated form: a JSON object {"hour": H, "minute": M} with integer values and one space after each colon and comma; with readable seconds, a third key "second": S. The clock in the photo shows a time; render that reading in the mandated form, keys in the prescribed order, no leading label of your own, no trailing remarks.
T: {"hour": 7, "minute": 55}
